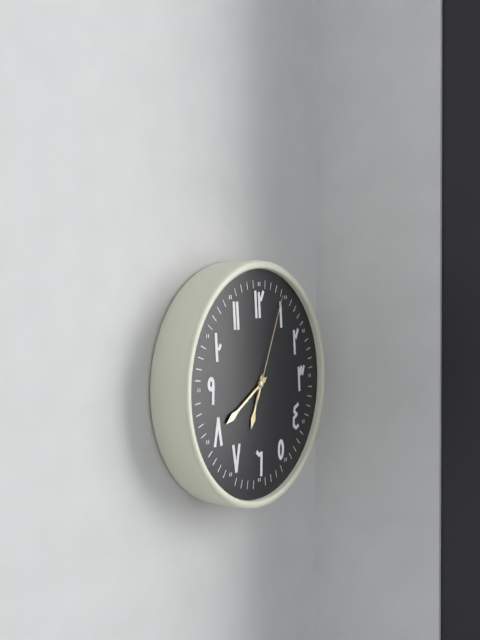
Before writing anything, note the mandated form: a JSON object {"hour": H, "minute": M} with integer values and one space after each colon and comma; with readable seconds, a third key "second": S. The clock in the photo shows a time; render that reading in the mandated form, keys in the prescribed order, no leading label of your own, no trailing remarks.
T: {"hour": 6, "minute": 40, "second": 4}
